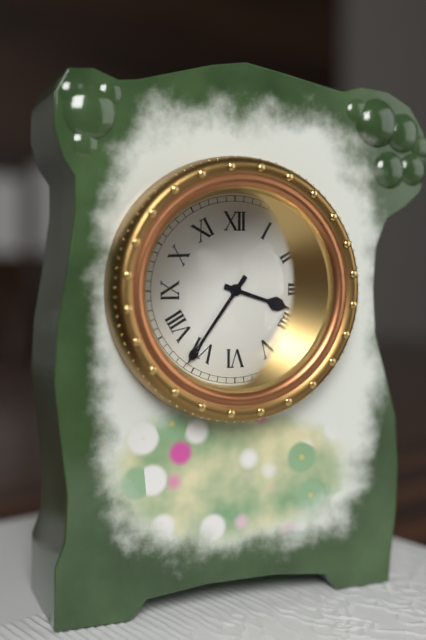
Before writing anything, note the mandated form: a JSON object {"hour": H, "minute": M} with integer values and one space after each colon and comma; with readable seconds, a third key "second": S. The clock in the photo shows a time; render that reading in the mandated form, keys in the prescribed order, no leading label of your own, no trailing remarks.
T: {"hour": 3, "minute": 36}
